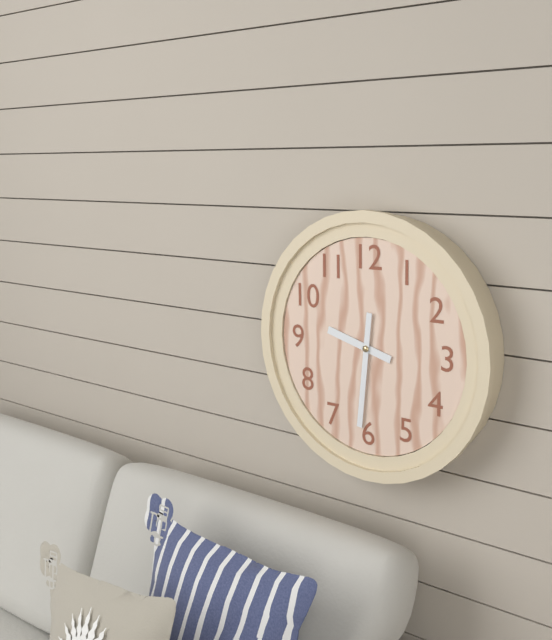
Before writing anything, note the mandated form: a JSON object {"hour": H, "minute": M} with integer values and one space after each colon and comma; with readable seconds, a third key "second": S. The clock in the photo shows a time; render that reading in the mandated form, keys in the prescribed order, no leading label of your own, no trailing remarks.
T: {"hour": 9, "minute": 31}
